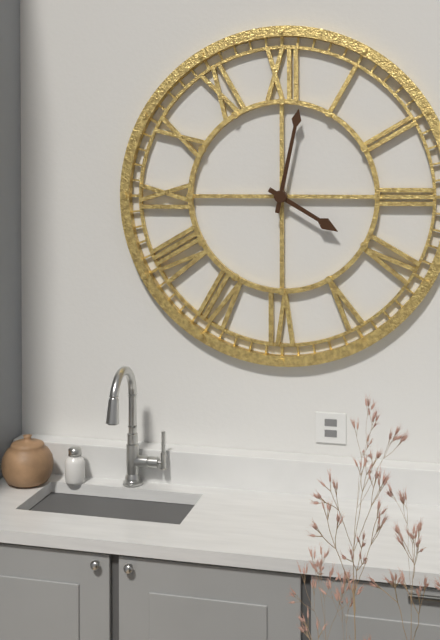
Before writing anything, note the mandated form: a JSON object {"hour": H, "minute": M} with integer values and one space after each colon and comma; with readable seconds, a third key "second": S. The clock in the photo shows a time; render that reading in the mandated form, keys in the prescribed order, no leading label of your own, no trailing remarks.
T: {"hour": 4, "minute": 2}
